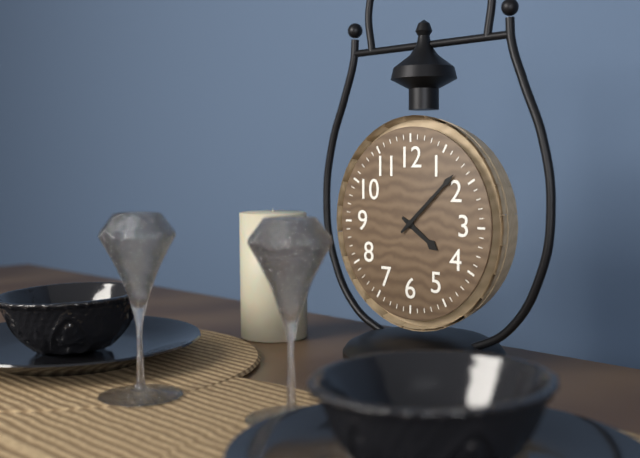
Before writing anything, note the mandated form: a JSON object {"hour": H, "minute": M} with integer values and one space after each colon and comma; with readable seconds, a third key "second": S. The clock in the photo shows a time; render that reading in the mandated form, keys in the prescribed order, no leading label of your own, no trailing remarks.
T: {"hour": 4, "minute": 8}
